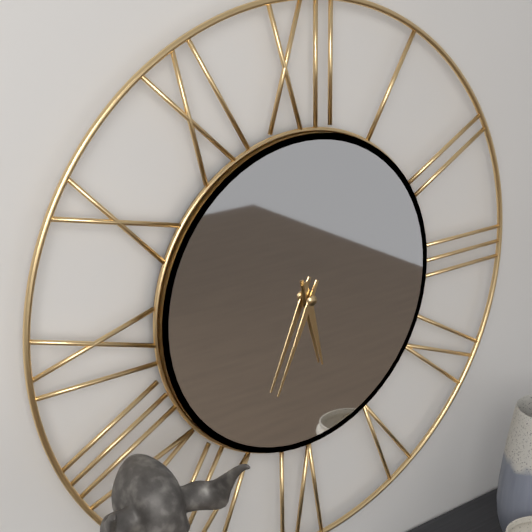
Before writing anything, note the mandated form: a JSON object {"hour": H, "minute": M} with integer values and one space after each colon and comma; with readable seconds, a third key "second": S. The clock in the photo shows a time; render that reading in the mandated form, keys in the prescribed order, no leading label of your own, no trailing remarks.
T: {"hour": 5, "minute": 34}
